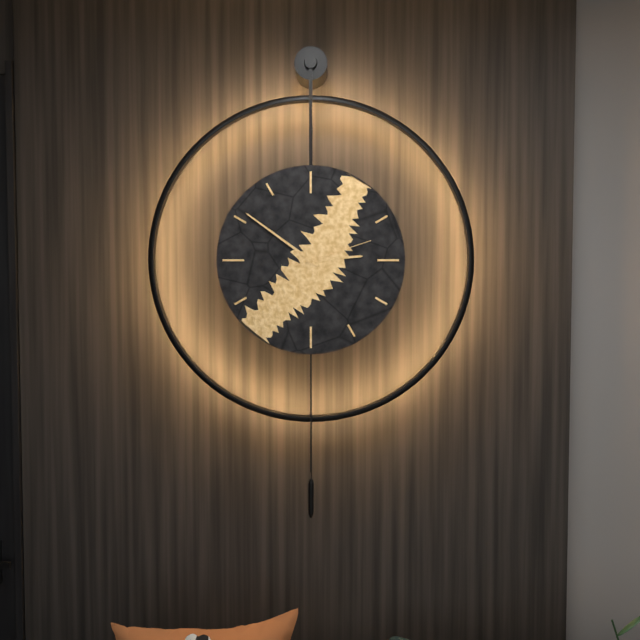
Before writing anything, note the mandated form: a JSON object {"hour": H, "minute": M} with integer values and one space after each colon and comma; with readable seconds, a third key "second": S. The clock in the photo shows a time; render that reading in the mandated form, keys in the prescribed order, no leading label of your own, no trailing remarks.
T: {"hour": 2, "minute": 51, "second": 12}
